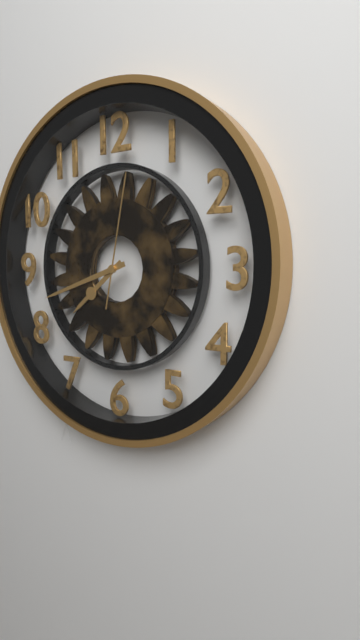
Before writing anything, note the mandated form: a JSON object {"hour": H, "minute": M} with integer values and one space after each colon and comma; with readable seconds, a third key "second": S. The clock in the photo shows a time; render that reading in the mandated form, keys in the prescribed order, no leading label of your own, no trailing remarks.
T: {"hour": 7, "minute": 42, "second": 2}
